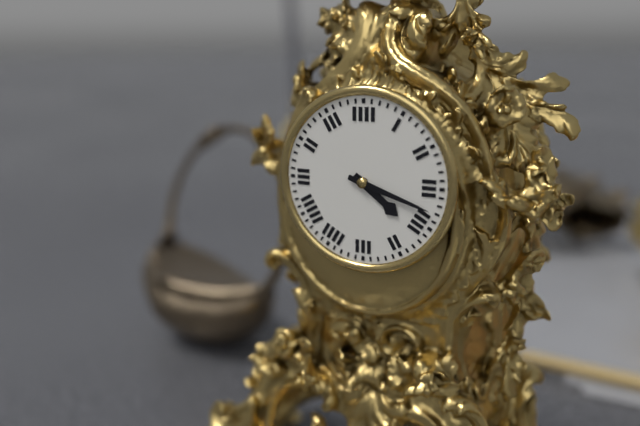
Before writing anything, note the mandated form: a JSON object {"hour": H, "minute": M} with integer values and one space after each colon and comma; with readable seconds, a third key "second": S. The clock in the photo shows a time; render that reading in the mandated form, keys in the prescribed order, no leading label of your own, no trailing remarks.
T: {"hour": 4, "minute": 18}
